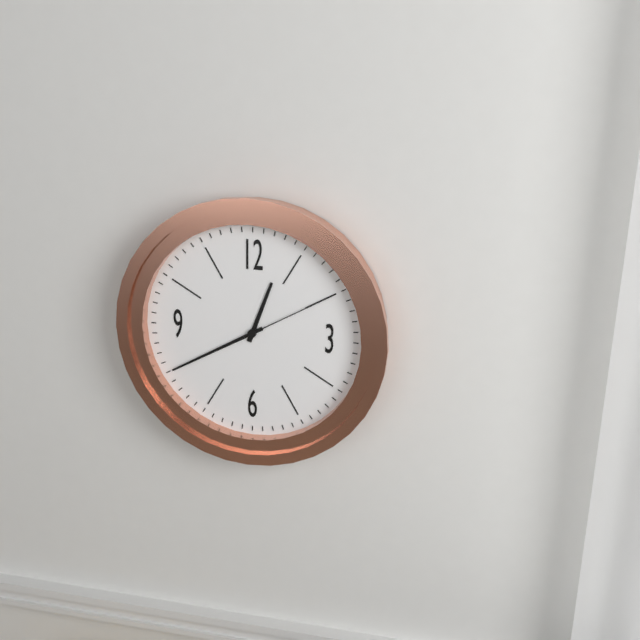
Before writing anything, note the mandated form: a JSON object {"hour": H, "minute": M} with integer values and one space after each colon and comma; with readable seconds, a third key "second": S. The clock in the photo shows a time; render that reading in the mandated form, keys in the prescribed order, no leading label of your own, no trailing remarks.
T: {"hour": 12, "minute": 40, "second": 10}
